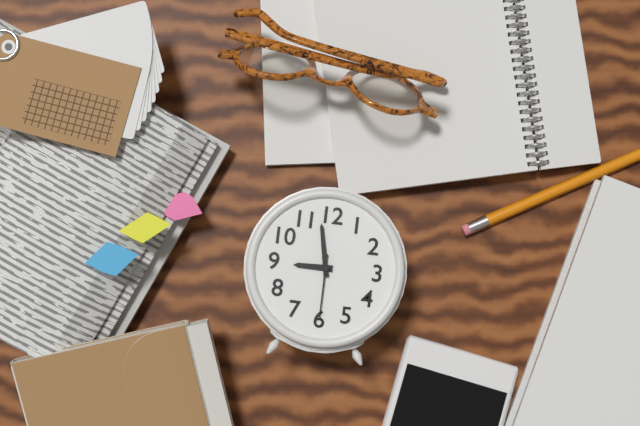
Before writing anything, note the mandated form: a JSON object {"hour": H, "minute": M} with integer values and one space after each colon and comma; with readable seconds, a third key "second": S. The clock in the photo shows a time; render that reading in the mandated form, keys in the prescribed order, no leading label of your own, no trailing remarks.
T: {"hour": 8, "minute": 58, "second": 30}
